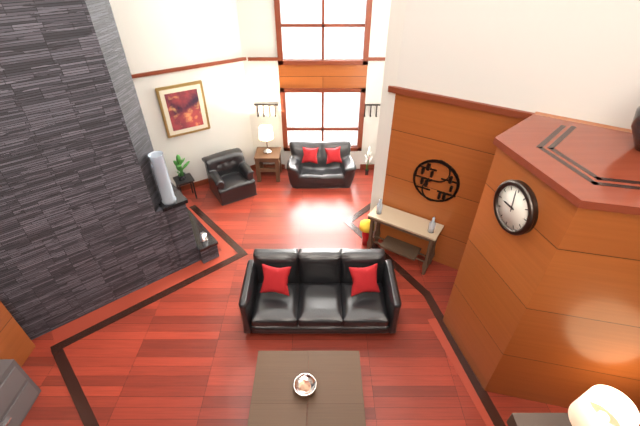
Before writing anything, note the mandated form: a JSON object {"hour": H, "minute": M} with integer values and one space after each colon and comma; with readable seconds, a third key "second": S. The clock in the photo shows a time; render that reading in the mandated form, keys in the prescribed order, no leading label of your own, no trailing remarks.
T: {"hour": 8, "minute": 59}
